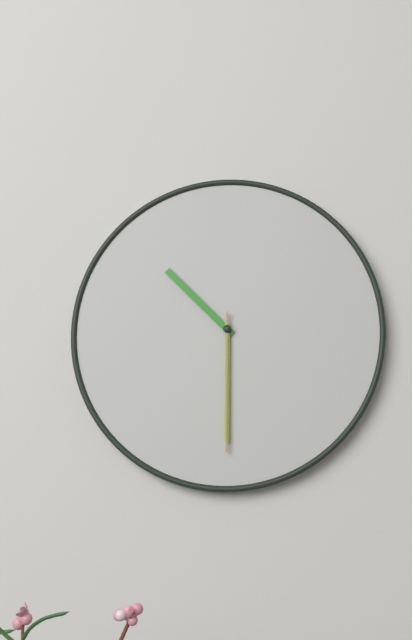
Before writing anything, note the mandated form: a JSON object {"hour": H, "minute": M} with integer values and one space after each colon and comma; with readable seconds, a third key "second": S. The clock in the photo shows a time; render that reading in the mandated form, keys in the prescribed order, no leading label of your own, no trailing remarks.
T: {"hour": 10, "minute": 30, "second": 30}
